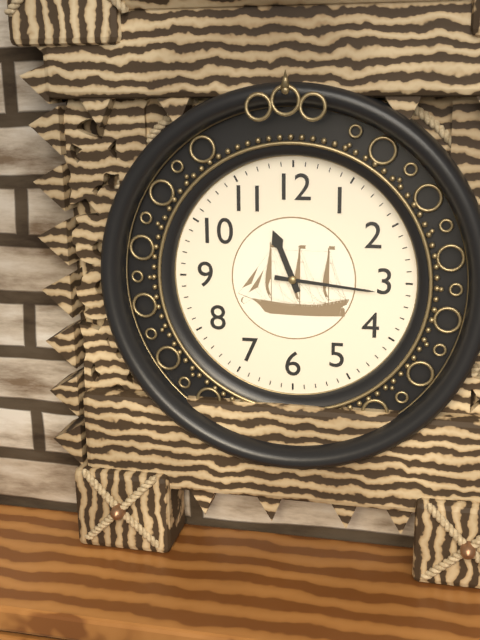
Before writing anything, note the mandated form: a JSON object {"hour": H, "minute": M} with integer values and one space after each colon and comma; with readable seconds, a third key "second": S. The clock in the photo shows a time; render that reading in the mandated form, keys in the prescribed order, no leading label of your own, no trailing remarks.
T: {"hour": 11, "minute": 16}
